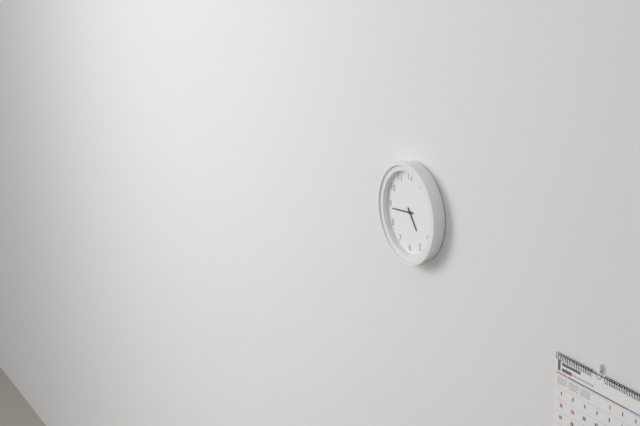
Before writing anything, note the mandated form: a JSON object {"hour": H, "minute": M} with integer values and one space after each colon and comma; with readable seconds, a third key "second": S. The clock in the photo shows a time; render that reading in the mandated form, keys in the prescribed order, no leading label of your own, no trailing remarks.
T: {"hour": 4, "minute": 44}
